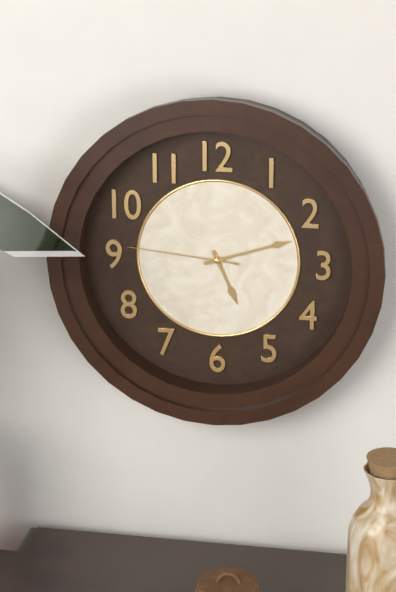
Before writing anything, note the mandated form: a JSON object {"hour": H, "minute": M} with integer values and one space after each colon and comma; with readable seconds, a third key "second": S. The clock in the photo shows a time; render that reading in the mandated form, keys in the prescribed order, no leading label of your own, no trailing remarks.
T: {"hour": 5, "minute": 12, "second": 46}
